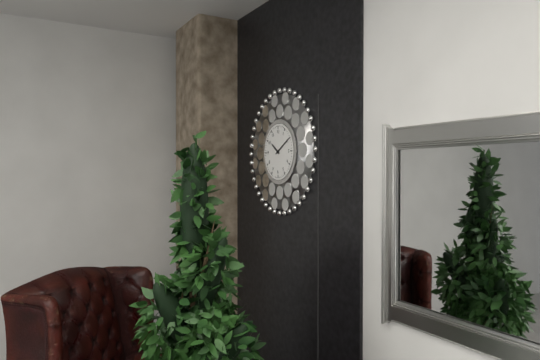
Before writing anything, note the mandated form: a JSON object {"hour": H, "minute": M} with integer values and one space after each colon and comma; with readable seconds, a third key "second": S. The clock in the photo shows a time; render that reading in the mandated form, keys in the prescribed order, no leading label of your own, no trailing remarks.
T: {"hour": 10, "minute": 10}
